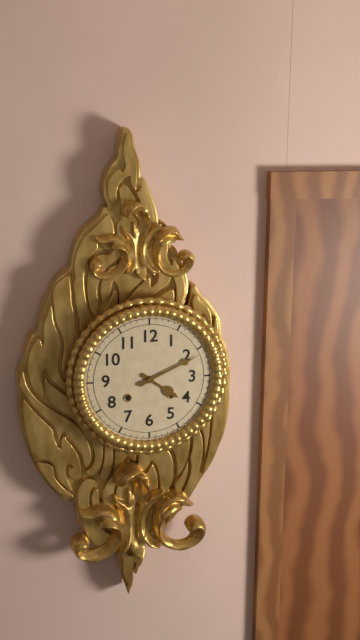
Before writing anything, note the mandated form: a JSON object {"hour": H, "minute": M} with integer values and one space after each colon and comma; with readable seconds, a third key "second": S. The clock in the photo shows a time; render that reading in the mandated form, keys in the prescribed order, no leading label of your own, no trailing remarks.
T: {"hour": 4, "minute": 11}
